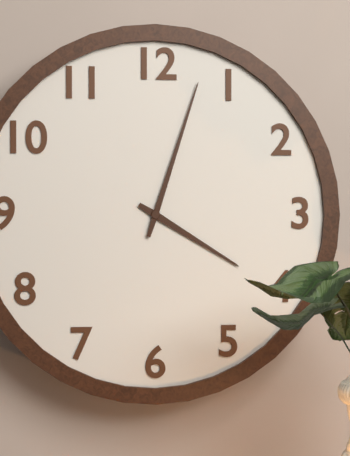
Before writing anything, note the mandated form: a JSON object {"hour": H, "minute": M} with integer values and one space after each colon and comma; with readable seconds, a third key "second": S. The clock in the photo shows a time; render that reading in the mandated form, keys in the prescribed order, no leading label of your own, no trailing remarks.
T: {"hour": 4, "minute": 3}
